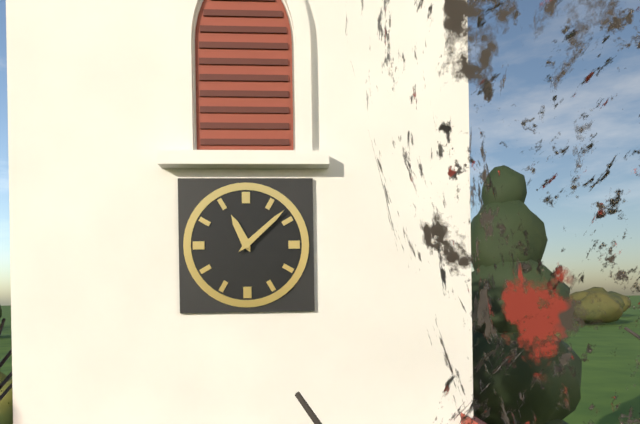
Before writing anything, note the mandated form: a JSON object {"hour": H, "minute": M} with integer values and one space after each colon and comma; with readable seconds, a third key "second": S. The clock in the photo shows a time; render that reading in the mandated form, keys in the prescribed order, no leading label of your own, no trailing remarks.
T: {"hour": 11, "minute": 8}
